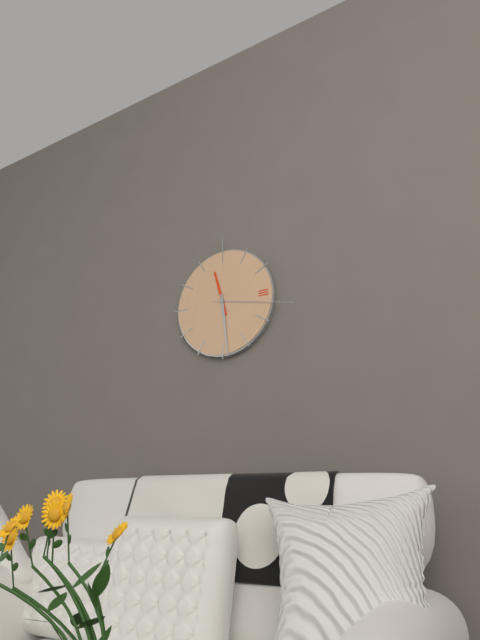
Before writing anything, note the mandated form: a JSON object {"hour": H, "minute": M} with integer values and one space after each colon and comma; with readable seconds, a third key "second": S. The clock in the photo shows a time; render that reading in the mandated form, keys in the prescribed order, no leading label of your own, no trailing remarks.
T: {"hour": 11, "minute": 29, "second": 17}
